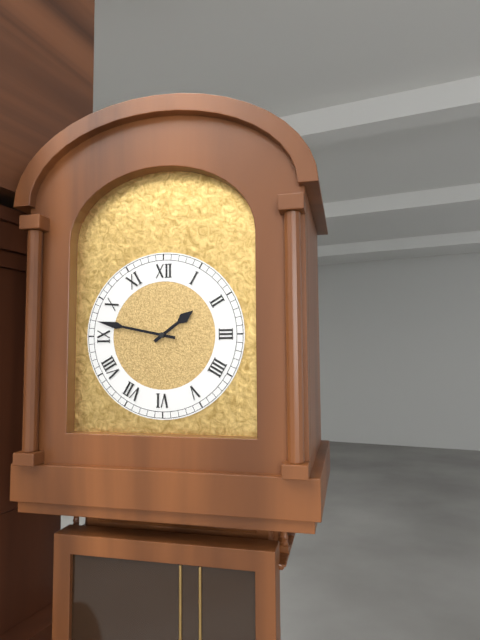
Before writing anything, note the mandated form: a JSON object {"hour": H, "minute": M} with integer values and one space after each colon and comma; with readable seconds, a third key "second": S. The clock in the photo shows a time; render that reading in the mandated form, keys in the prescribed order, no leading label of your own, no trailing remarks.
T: {"hour": 1, "minute": 47}
